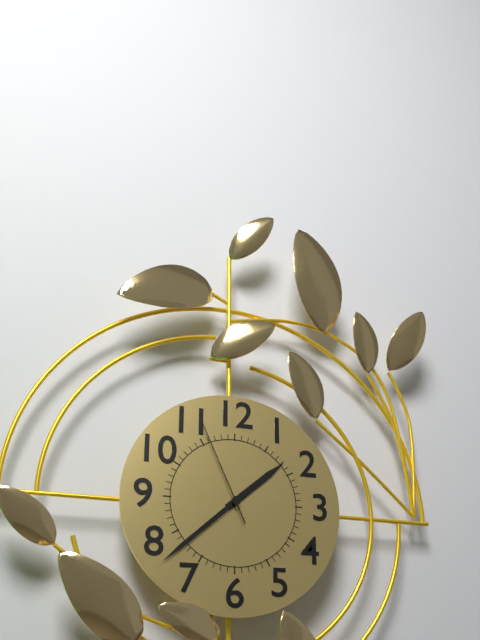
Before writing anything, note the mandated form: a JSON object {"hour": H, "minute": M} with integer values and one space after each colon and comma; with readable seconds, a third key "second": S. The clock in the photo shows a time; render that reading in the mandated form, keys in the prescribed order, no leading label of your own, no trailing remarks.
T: {"hour": 1, "minute": 38, "second": 56}
